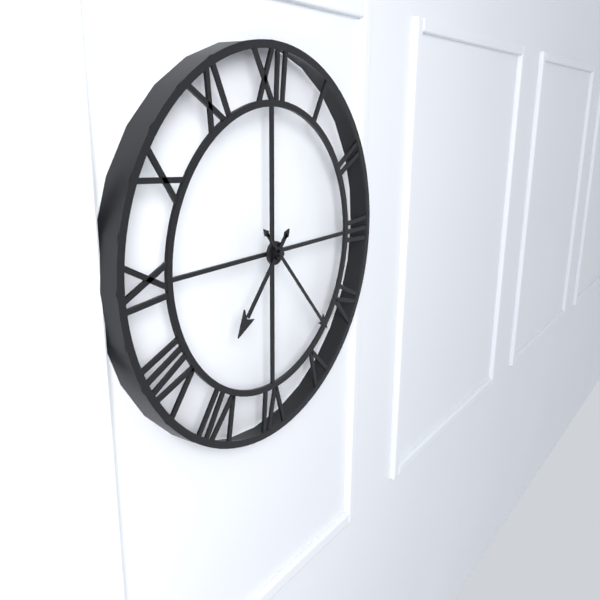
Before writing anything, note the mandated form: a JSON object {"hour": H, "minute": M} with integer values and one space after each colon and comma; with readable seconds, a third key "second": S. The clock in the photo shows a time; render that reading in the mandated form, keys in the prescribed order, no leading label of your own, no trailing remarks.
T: {"hour": 7, "minute": 23}
